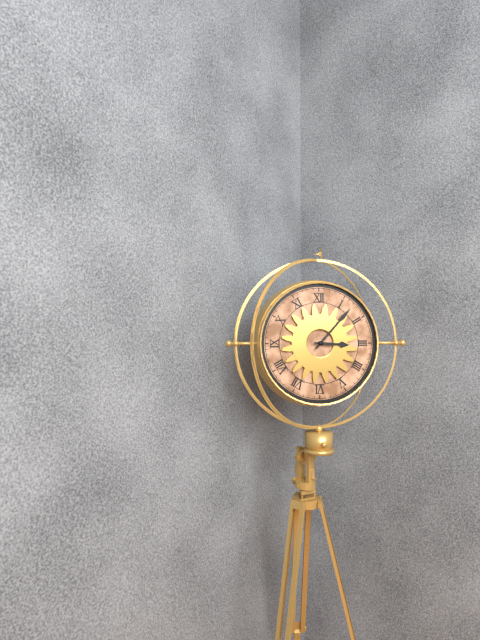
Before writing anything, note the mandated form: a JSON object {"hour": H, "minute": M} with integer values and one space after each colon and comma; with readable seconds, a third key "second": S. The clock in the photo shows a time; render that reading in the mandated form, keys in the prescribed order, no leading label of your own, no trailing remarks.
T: {"hour": 3, "minute": 7}
